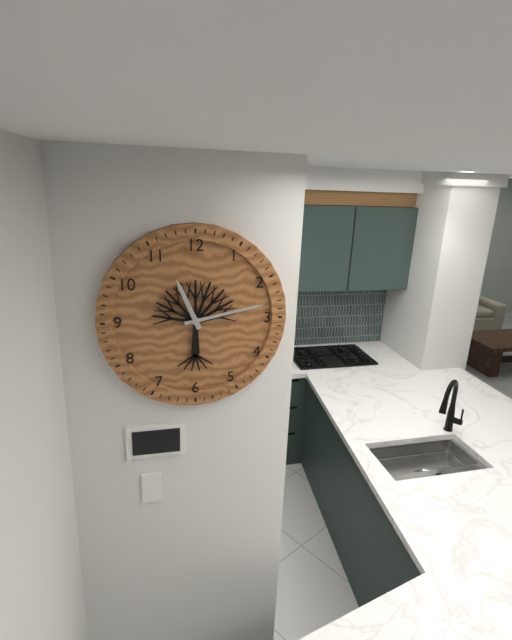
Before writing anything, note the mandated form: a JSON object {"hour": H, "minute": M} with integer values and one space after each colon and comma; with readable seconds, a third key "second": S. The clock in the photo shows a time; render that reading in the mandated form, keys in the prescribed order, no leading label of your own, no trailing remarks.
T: {"hour": 11, "minute": 13}
